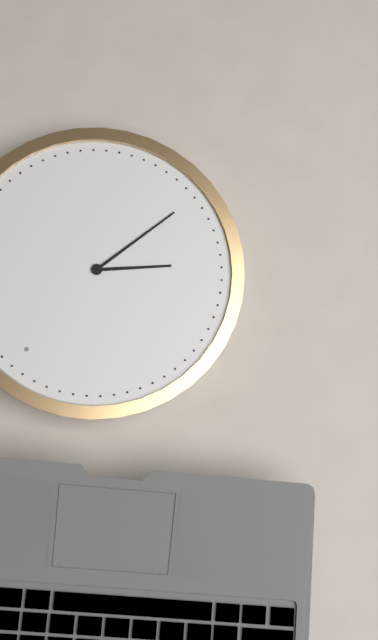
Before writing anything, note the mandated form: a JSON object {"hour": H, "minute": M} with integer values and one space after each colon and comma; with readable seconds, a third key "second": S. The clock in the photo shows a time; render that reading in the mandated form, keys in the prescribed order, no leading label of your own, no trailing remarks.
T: {"hour": 7, "minute": 32}
